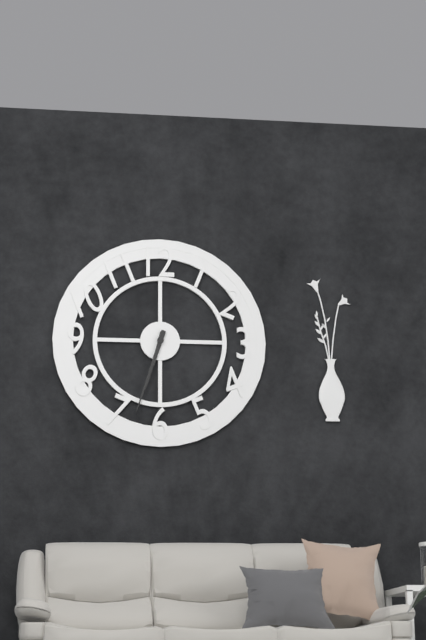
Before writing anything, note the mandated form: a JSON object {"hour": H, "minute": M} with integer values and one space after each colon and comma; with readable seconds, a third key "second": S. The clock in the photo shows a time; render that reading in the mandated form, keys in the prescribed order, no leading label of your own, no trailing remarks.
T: {"hour": 6, "minute": 33}
